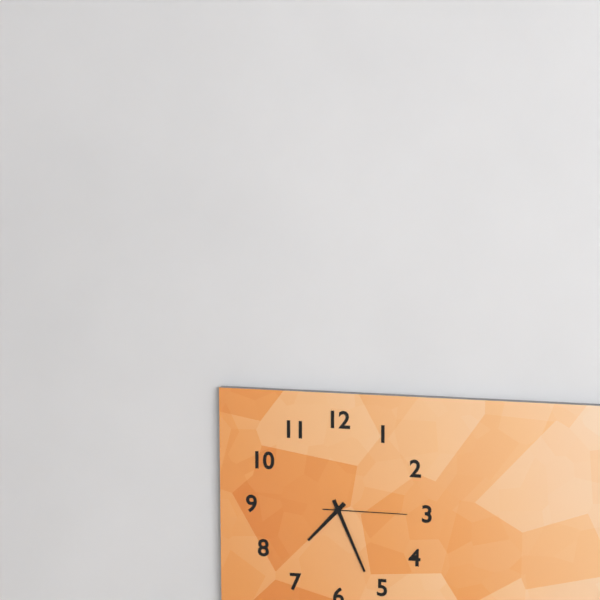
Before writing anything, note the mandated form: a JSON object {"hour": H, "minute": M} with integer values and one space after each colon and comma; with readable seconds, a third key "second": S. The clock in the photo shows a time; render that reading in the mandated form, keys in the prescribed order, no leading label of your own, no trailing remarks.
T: {"hour": 7, "minute": 26, "second": 15}
